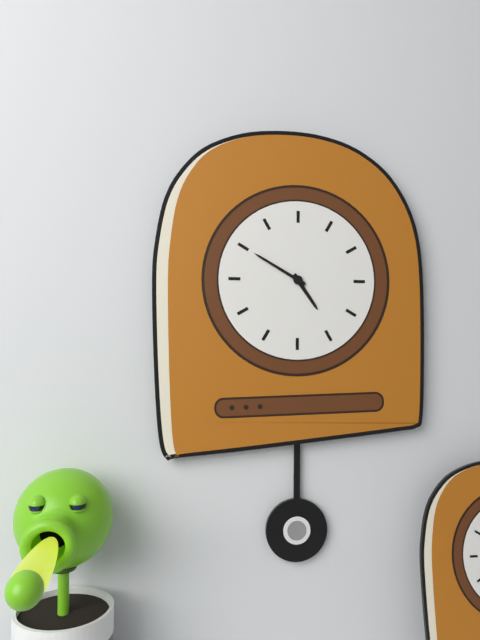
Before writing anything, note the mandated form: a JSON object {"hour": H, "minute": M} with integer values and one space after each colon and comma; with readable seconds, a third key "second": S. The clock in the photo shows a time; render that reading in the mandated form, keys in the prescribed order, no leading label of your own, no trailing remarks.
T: {"hour": 4, "minute": 50}
